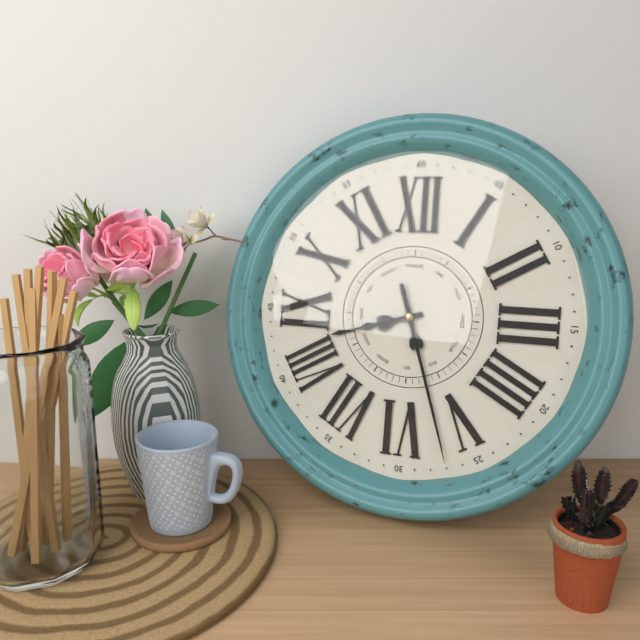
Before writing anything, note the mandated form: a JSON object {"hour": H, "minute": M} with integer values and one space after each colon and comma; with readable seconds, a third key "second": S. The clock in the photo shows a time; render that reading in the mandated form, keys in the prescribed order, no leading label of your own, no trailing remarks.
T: {"hour": 8, "minute": 27, "second": 27}
